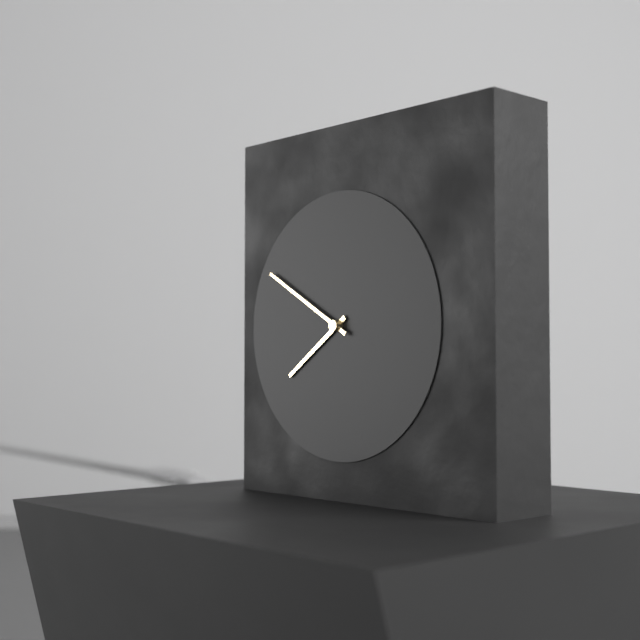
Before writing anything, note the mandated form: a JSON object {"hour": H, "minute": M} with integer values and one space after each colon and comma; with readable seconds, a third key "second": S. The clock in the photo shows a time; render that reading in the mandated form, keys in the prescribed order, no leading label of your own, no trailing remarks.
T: {"hour": 7, "minute": 50}
